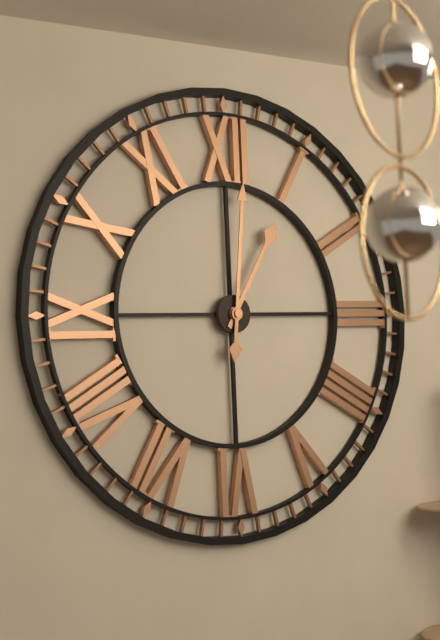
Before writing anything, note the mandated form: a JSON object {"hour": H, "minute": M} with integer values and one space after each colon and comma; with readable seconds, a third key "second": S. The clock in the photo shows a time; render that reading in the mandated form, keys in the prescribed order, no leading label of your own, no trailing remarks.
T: {"hour": 1, "minute": 1}
